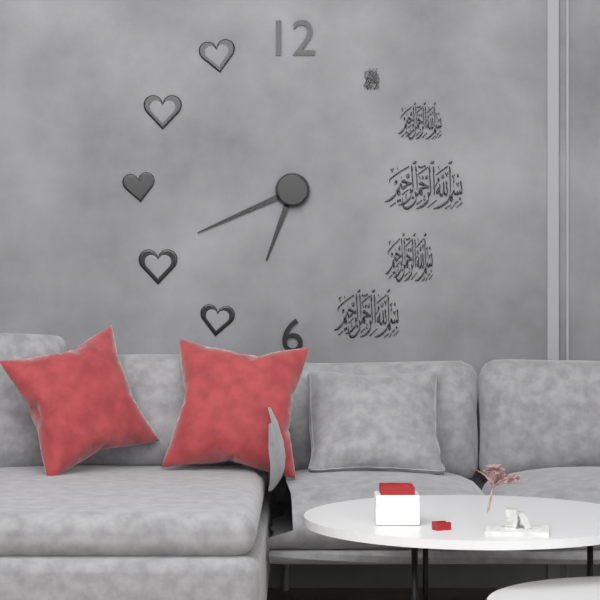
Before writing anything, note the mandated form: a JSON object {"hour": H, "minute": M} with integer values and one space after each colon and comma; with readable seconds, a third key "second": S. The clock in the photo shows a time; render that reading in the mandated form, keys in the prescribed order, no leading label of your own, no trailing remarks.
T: {"hour": 6, "minute": 41}
